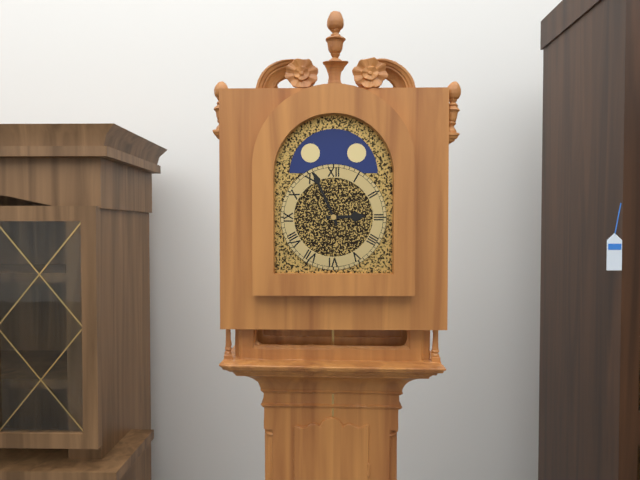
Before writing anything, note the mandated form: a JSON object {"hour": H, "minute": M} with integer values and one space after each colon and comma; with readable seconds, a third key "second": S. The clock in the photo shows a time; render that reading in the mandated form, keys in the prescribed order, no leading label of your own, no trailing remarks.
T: {"hour": 2, "minute": 56}
